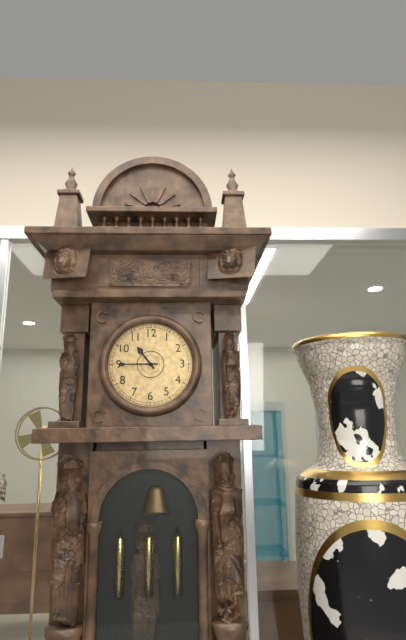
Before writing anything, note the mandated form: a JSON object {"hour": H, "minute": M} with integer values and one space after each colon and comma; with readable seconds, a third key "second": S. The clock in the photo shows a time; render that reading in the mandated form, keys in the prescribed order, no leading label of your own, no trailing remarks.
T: {"hour": 10, "minute": 45}
